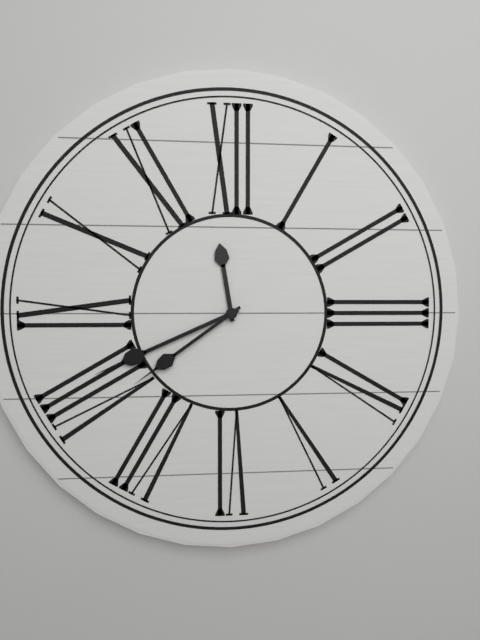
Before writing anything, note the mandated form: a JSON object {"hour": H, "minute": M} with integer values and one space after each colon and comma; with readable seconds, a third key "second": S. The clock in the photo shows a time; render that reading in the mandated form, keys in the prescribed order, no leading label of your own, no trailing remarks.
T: {"hour": 11, "minute": 41, "second": 39}
